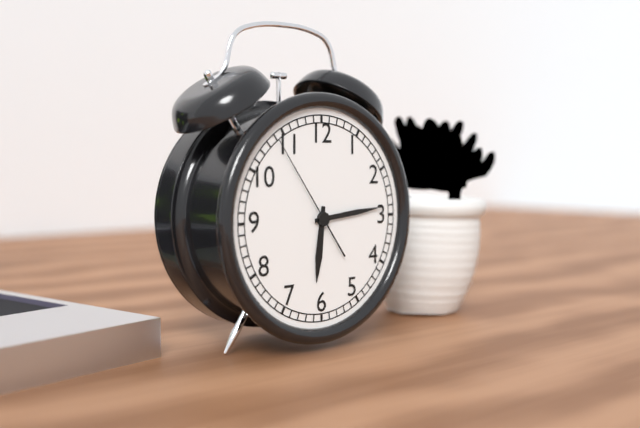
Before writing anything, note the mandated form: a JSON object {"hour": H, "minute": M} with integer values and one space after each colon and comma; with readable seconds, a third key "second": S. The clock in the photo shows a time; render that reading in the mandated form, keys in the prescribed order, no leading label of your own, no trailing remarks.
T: {"hour": 6, "minute": 14, "second": 54}
